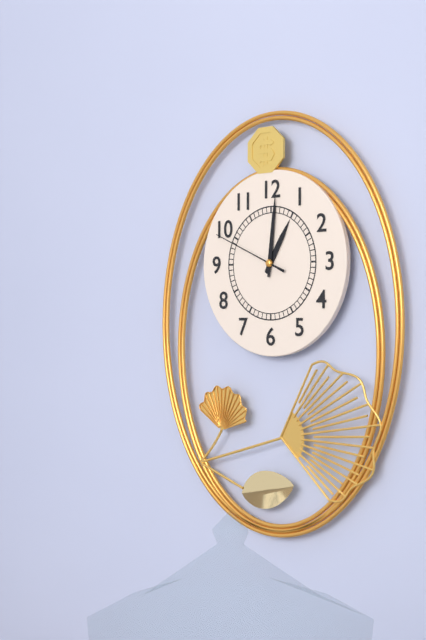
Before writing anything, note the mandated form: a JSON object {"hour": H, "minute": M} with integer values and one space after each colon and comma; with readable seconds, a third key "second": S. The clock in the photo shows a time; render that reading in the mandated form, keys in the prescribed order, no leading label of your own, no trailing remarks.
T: {"hour": 1, "minute": 1, "second": 49}
